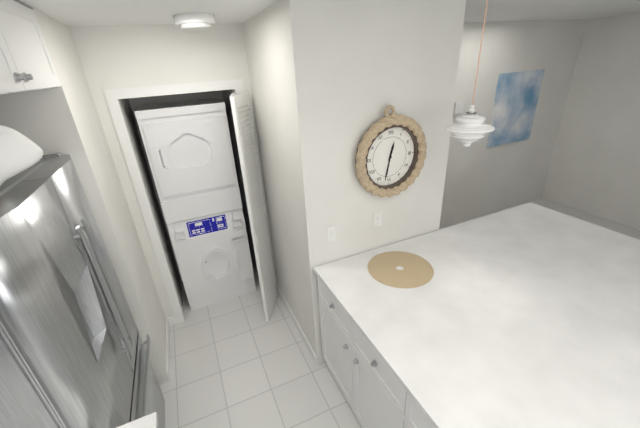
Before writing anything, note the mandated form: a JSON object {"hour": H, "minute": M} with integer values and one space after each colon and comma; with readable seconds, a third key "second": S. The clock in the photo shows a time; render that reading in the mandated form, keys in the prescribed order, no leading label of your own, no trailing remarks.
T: {"hour": 12, "minute": 32}
